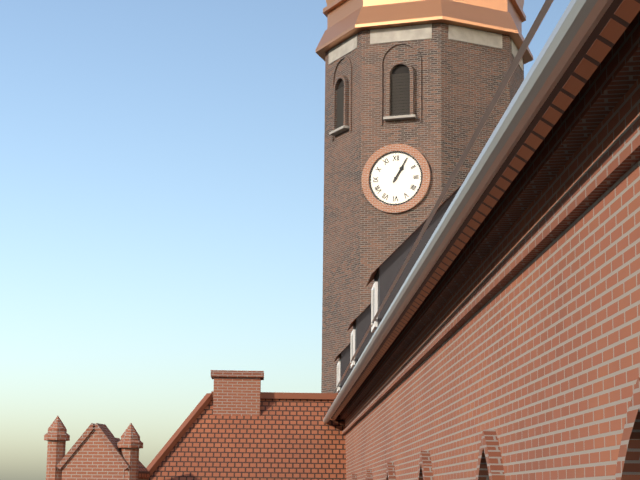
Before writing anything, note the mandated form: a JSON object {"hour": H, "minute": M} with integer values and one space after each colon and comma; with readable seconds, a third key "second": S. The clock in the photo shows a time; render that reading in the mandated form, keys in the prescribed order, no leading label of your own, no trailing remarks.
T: {"hour": 1, "minute": 5}
